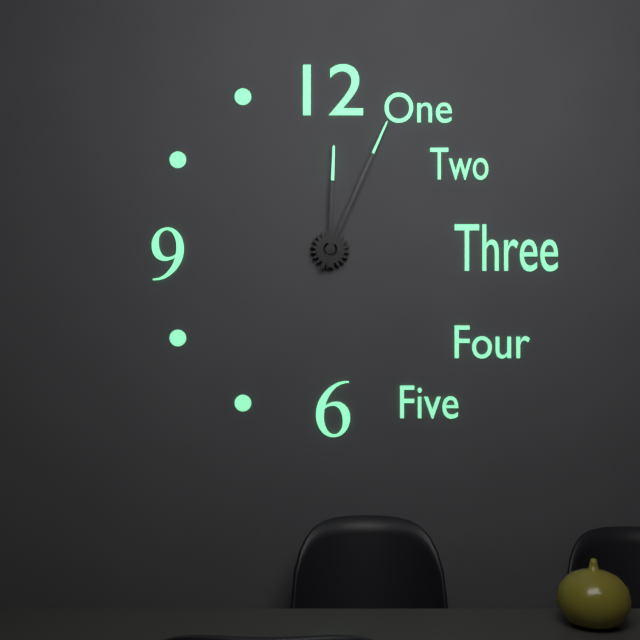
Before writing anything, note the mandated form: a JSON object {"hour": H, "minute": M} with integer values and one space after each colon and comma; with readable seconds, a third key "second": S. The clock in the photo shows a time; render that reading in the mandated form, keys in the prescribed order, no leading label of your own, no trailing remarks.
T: {"hour": 12, "minute": 4}
